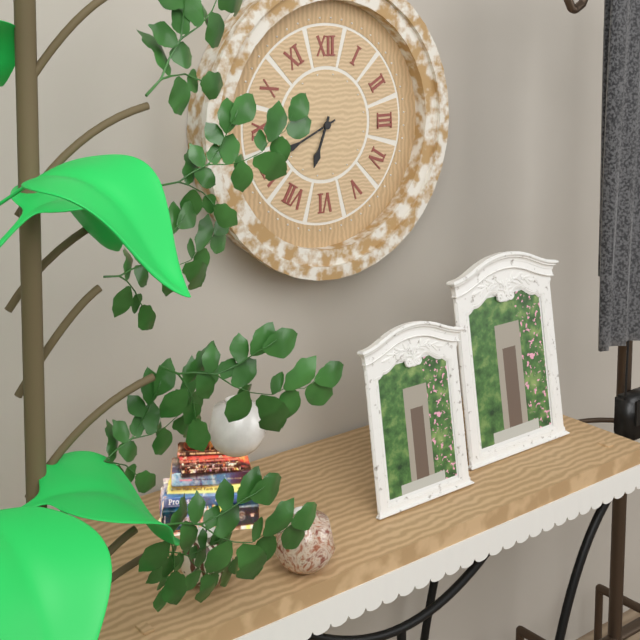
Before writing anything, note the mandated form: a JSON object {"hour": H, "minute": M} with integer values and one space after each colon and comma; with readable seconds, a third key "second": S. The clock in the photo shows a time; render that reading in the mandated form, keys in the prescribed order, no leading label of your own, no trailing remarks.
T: {"hour": 6, "minute": 41}
